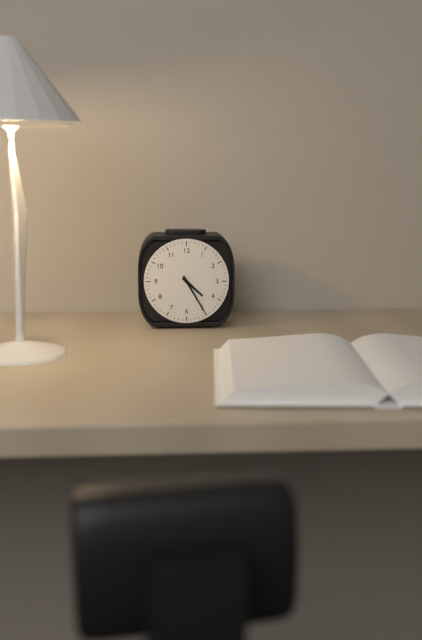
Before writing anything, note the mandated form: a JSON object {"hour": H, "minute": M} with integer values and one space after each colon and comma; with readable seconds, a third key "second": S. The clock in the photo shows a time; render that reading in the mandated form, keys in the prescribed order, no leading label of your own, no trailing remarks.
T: {"hour": 4, "minute": 25}
